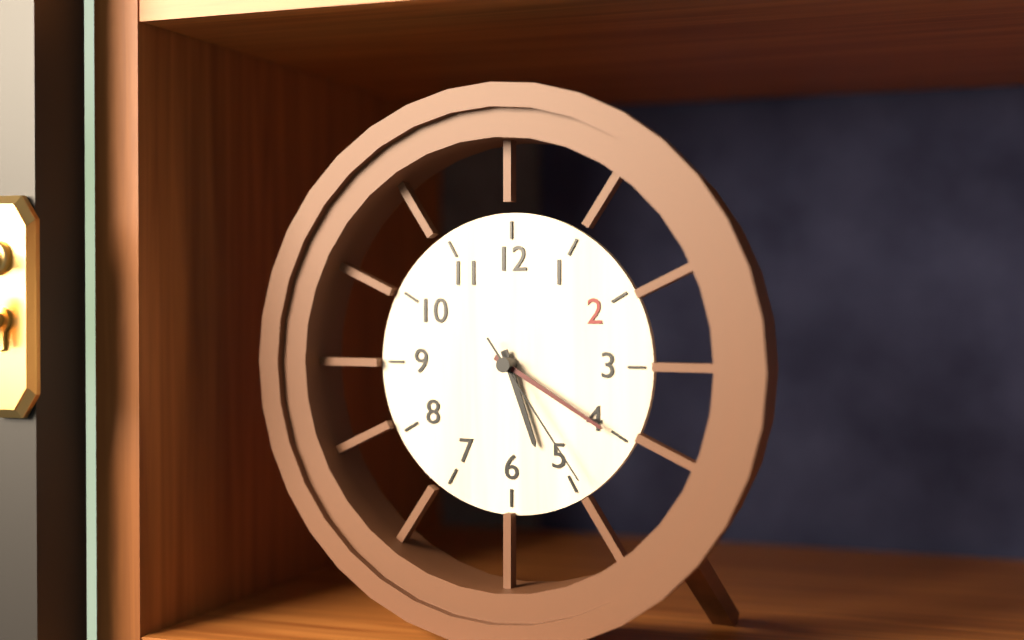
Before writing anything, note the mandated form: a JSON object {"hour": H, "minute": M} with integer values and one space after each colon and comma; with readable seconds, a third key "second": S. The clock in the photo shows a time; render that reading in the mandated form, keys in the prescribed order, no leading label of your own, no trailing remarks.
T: {"hour": 5, "minute": 20, "second": 24}
